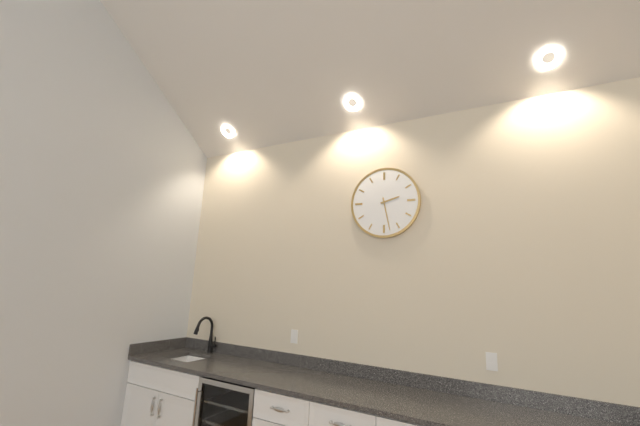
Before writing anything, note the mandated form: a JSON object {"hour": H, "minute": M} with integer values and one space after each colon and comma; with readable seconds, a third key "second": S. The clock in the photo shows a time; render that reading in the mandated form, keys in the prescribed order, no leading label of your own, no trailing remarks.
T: {"hour": 2, "minute": 28}
